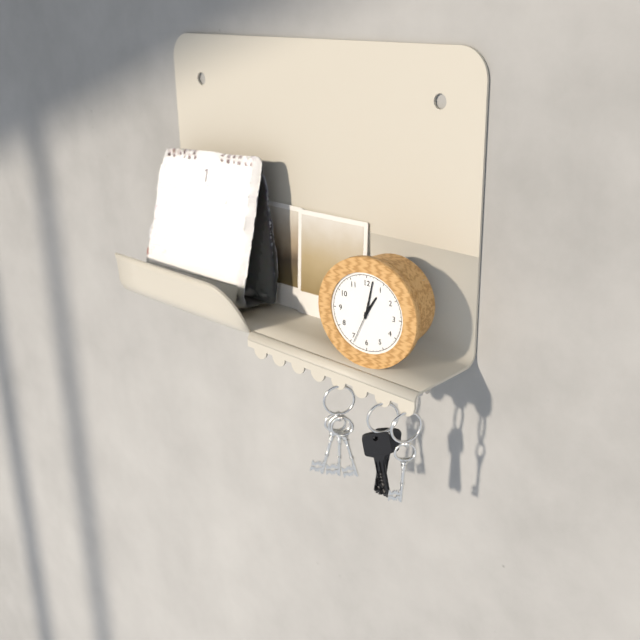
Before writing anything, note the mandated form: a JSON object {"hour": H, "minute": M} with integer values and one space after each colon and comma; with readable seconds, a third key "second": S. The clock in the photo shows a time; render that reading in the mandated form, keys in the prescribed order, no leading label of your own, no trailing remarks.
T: {"hour": 1, "minute": 2}
